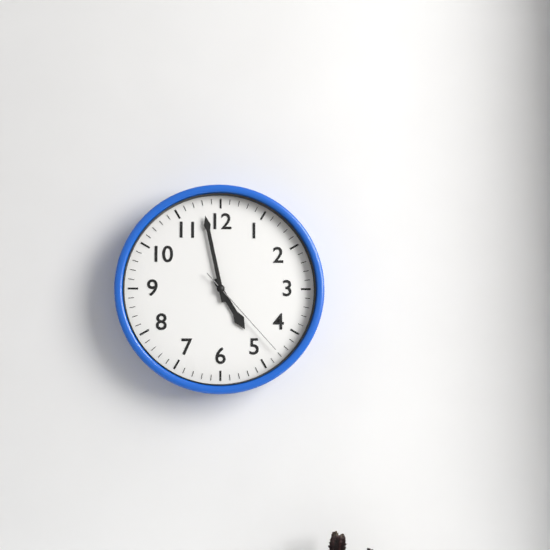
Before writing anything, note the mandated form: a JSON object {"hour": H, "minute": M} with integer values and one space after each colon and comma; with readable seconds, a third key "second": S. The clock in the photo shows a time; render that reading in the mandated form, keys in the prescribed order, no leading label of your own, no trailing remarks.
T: {"hour": 4, "minute": 58, "second": 23}
